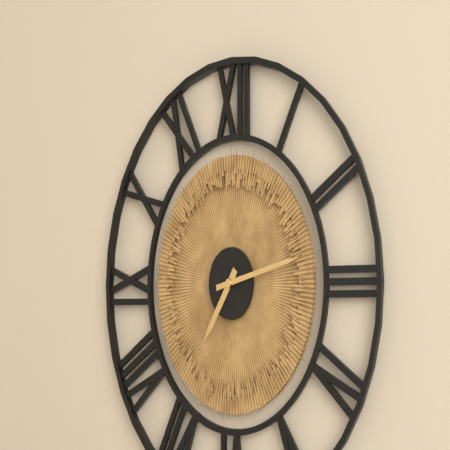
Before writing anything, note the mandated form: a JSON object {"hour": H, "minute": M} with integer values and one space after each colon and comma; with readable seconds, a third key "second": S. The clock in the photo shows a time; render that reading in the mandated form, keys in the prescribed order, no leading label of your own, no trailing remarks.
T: {"hour": 7, "minute": 13}
